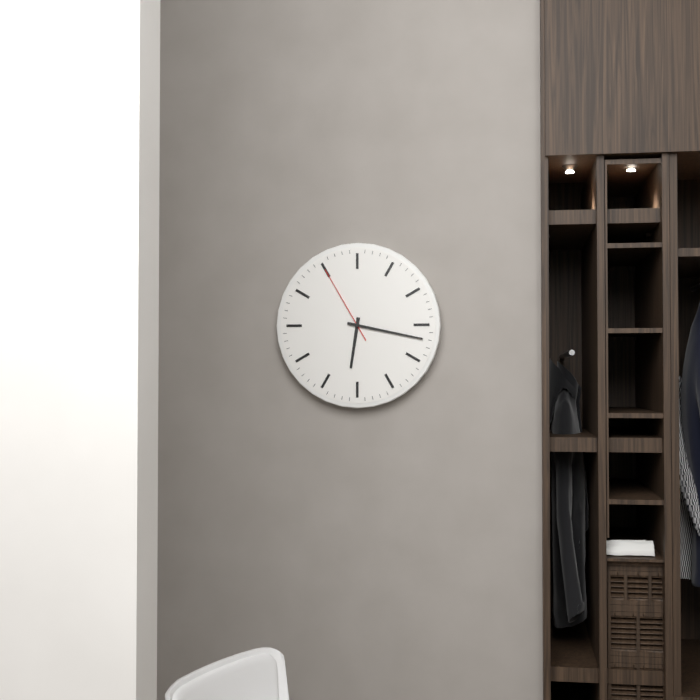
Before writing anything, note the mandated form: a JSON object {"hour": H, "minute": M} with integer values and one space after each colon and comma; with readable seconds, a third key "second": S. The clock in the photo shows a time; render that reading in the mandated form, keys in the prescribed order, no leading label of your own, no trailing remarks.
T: {"hour": 6, "minute": 17, "second": 55}
